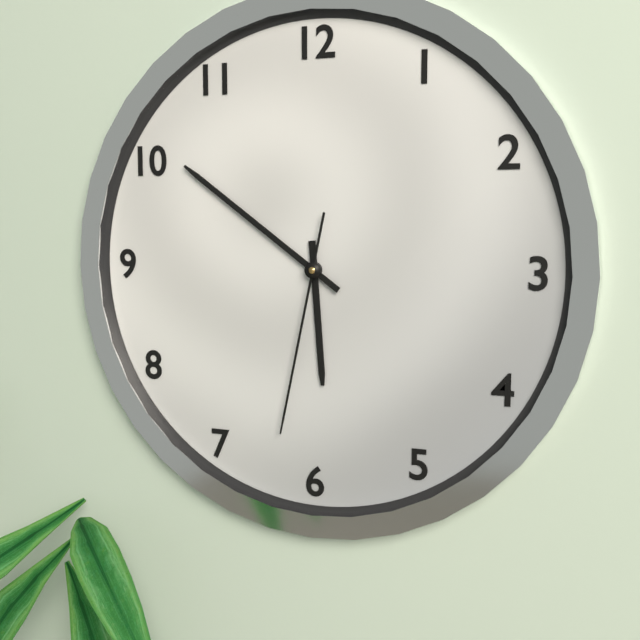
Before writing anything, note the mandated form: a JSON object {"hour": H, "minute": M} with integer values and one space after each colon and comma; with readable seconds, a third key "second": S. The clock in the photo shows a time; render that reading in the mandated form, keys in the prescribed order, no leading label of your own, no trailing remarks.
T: {"hour": 5, "minute": 51, "second": 32}
